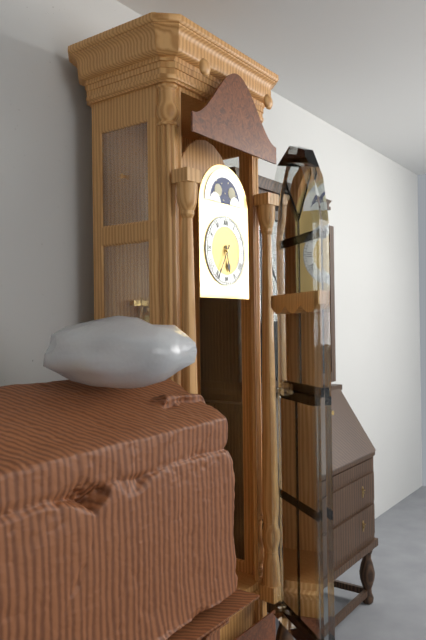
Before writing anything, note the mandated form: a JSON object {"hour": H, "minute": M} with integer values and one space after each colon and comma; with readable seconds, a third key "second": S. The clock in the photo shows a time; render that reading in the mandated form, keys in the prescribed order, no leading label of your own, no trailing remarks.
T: {"hour": 5, "minute": 35}
